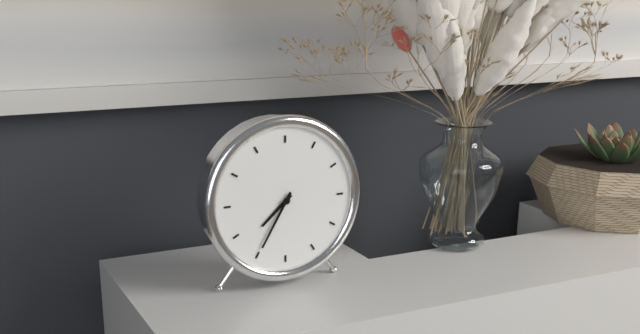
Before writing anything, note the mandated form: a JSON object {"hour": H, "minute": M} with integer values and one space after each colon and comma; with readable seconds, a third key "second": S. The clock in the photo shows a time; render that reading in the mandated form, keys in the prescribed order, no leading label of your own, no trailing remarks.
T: {"hour": 7, "minute": 35}
